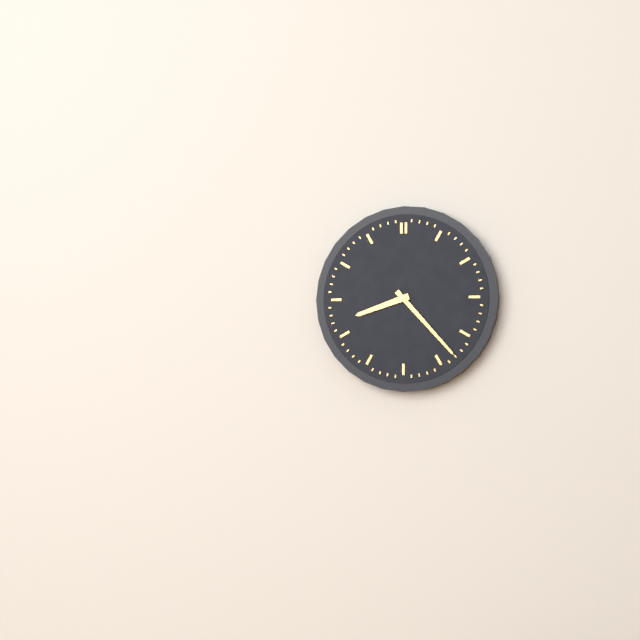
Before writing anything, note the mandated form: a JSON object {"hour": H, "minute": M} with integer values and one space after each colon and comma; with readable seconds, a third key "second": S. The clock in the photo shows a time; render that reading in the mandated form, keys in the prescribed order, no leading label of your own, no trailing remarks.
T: {"hour": 8, "minute": 23}
